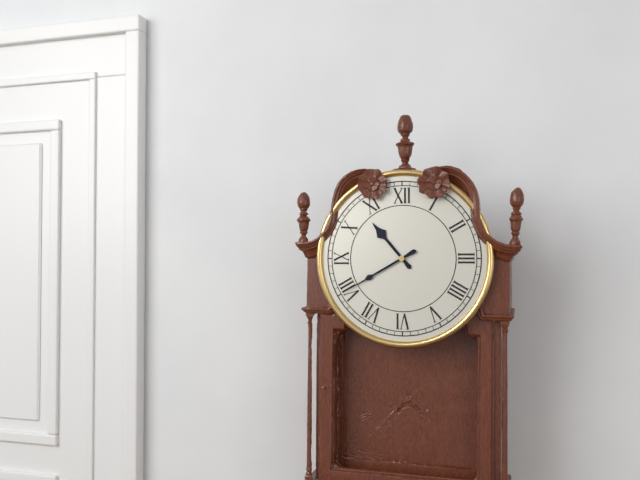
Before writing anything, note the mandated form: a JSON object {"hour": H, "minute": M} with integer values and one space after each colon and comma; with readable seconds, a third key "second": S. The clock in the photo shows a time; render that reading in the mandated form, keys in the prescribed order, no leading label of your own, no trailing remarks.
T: {"hour": 10, "minute": 40}
